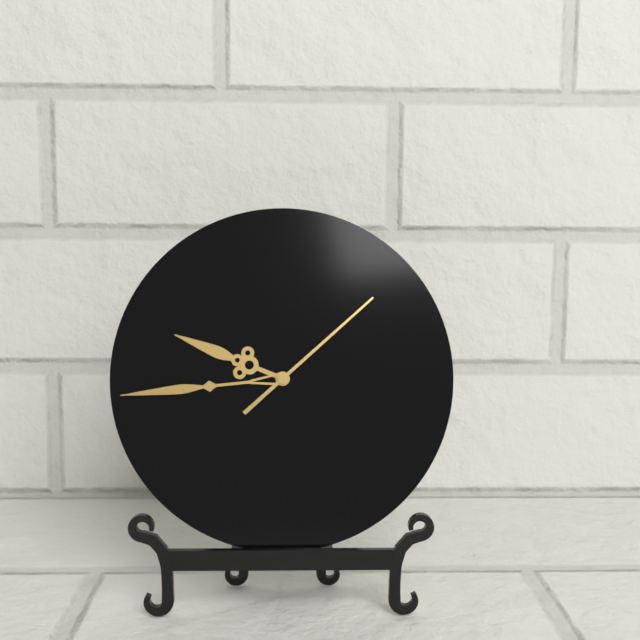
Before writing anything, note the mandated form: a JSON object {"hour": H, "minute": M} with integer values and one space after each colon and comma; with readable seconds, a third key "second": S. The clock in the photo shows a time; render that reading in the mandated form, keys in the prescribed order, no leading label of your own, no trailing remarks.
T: {"hour": 9, "minute": 44, "second": 8}
